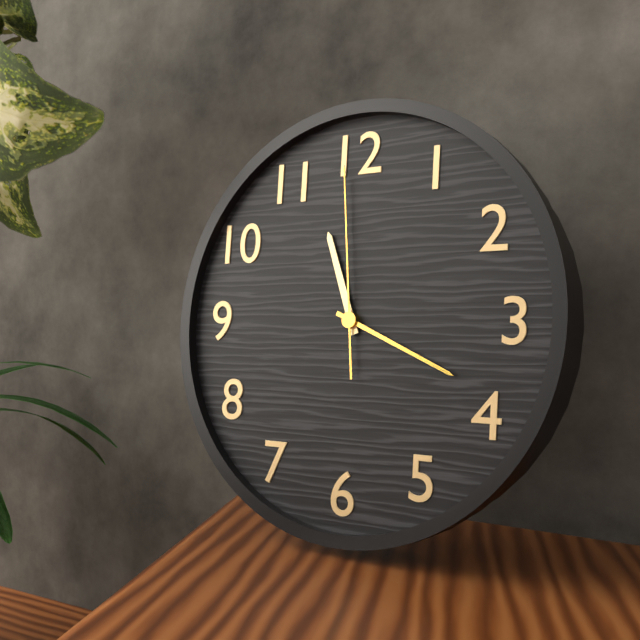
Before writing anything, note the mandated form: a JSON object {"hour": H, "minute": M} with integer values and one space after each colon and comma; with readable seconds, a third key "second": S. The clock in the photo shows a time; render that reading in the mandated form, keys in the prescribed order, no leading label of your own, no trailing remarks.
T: {"hour": 11, "minute": 19, "second": 59}
